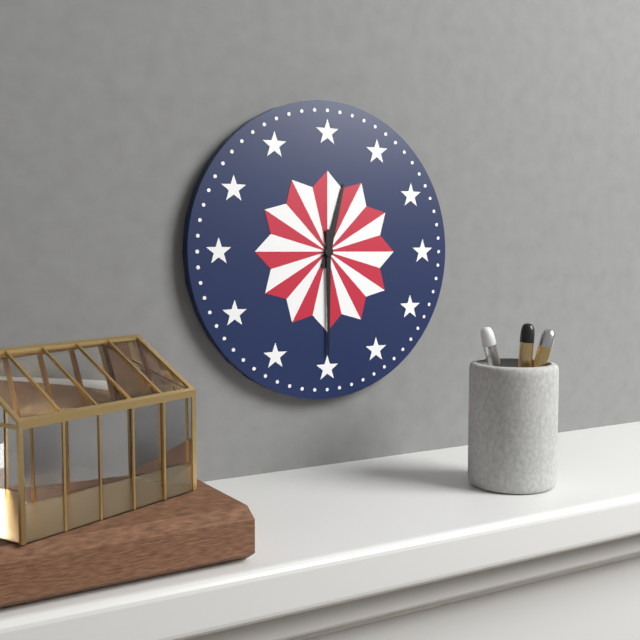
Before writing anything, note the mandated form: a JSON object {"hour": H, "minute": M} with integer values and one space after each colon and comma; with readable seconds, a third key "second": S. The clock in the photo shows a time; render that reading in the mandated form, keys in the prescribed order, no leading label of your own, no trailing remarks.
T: {"hour": 12, "minute": 30}
